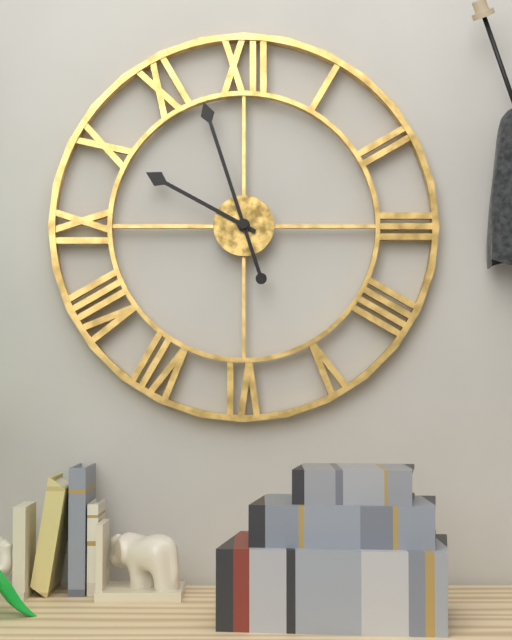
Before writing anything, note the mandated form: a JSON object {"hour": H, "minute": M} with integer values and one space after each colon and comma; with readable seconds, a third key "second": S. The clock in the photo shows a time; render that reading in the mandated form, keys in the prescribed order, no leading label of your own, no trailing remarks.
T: {"hour": 9, "minute": 57}
